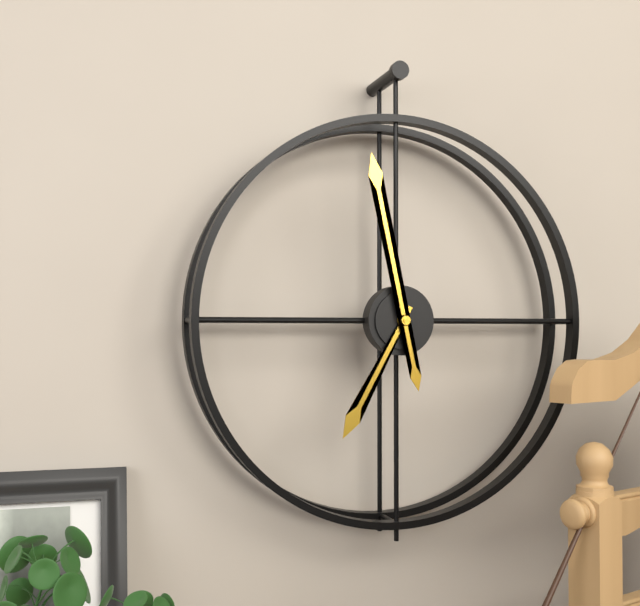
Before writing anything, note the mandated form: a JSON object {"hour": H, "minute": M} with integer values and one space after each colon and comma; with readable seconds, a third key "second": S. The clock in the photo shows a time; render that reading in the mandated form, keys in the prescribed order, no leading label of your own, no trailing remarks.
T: {"hour": 6, "minute": 58}
